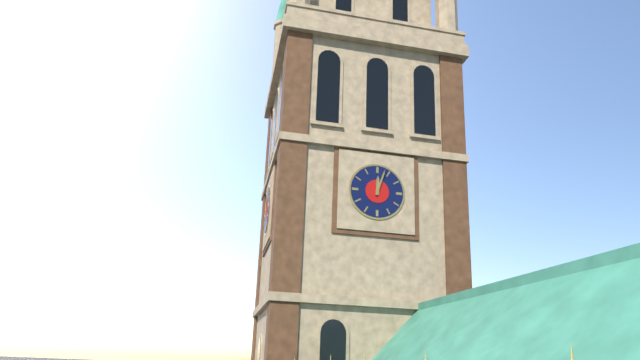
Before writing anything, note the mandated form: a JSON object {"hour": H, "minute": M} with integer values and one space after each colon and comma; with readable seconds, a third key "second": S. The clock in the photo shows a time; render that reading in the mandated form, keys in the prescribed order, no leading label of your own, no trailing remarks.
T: {"hour": 12, "minute": 3}
